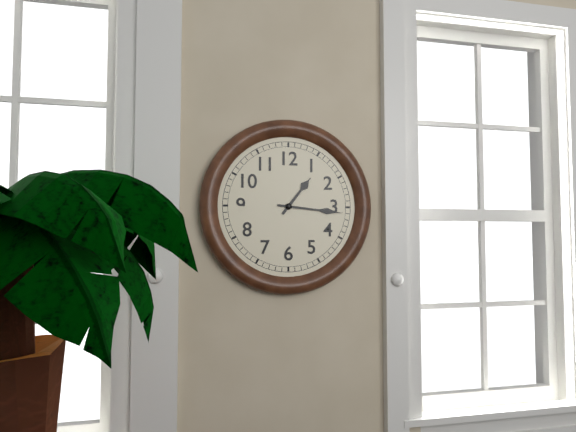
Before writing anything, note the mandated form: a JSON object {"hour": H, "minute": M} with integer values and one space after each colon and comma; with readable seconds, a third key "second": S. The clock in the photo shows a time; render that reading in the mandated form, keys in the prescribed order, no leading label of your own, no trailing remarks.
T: {"hour": 1, "minute": 16}
